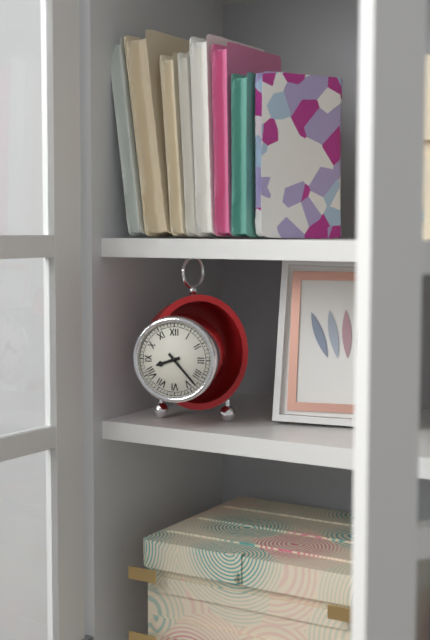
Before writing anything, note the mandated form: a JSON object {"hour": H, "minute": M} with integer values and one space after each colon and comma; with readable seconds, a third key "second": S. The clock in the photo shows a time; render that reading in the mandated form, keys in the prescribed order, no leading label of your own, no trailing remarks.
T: {"hour": 8, "minute": 23}
